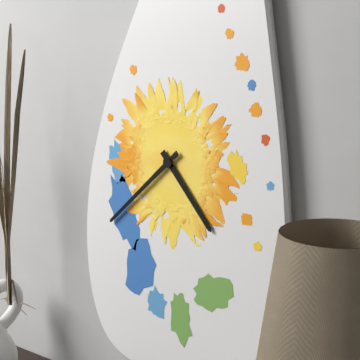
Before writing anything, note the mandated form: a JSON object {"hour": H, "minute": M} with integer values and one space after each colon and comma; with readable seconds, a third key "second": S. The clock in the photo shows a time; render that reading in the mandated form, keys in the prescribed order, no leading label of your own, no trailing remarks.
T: {"hour": 4, "minute": 38}
